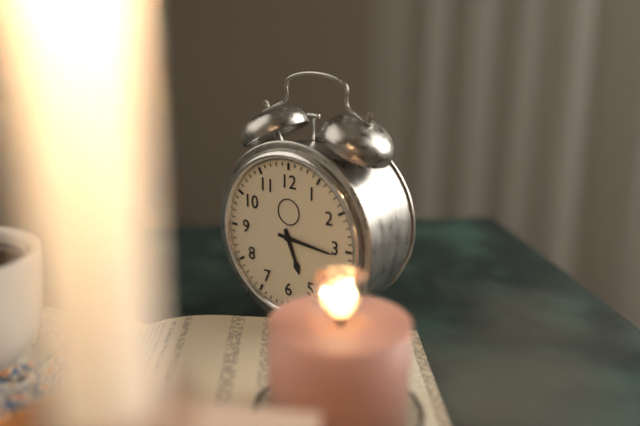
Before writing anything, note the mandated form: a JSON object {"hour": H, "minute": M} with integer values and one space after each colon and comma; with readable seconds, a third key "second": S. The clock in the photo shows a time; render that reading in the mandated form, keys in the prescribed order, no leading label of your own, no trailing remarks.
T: {"hour": 5, "minute": 16}
